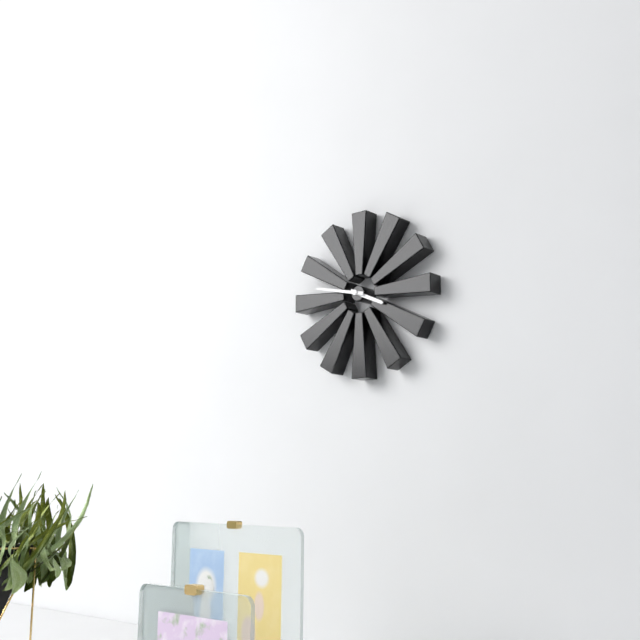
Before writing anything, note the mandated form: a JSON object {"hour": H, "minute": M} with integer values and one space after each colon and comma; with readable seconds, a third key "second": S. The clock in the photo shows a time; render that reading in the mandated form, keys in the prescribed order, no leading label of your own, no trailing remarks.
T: {"hour": 3, "minute": 47}
